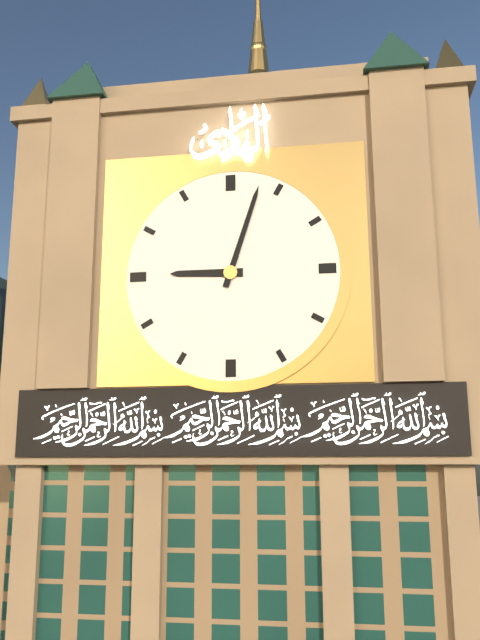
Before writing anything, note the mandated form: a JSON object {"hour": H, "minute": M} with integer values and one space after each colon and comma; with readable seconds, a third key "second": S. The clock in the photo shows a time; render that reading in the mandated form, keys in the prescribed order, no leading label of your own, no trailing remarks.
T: {"hour": 9, "minute": 3}
